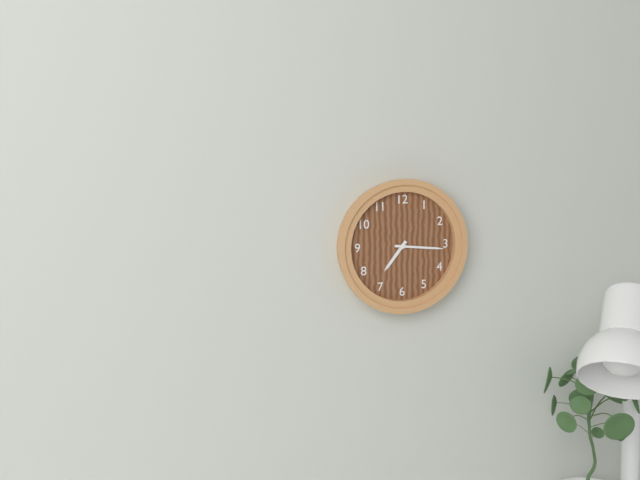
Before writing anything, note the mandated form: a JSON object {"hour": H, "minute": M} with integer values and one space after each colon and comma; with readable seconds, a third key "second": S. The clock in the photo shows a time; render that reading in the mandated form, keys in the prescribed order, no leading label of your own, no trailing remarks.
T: {"hour": 7, "minute": 16}
